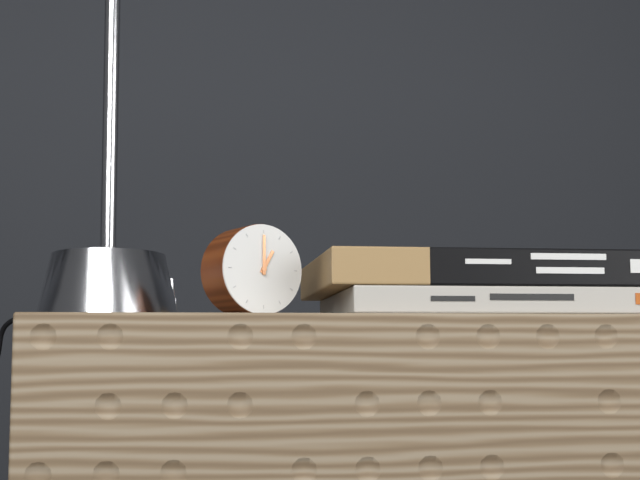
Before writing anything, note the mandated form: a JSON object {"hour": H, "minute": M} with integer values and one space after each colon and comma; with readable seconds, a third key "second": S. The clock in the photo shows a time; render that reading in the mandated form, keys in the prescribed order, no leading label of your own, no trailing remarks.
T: {"hour": 1, "minute": 0}
